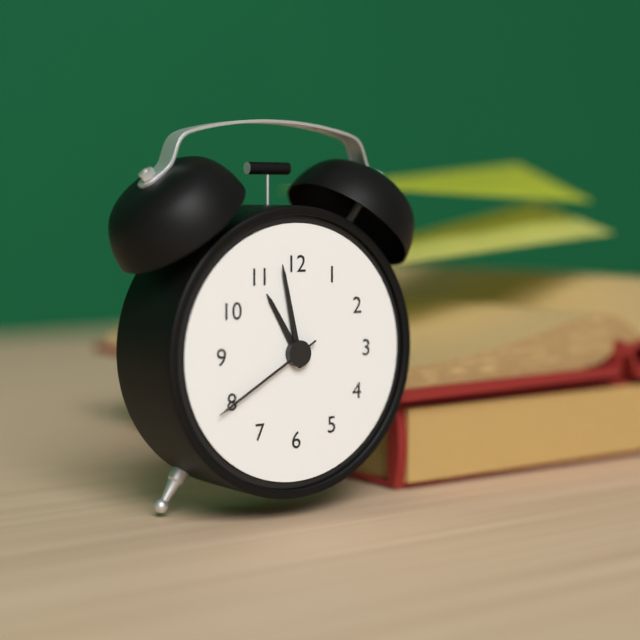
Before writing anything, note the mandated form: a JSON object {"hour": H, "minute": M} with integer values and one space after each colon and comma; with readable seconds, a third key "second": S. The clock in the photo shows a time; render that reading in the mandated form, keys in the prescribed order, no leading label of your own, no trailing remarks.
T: {"hour": 10, "minute": 58, "second": 40}
